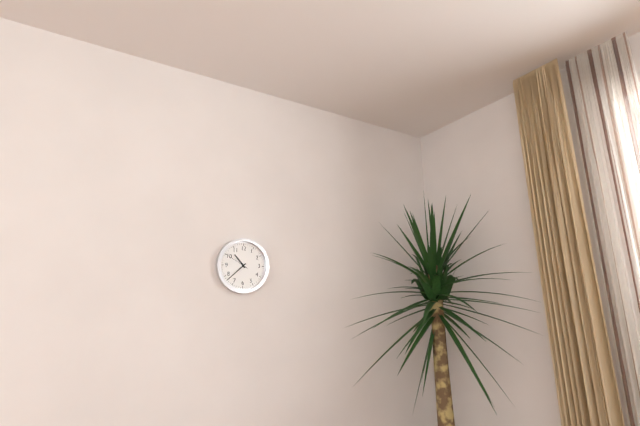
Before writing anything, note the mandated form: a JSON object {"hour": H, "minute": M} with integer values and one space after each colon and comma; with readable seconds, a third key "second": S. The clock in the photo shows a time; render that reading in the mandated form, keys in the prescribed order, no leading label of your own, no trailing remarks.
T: {"hour": 10, "minute": 38}
